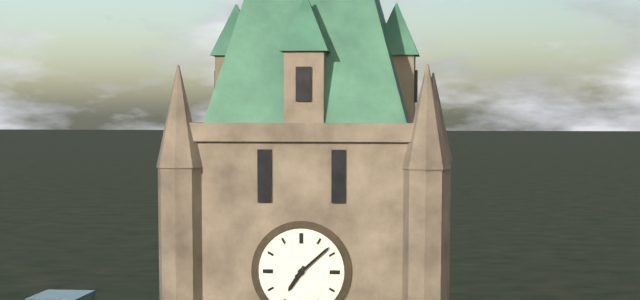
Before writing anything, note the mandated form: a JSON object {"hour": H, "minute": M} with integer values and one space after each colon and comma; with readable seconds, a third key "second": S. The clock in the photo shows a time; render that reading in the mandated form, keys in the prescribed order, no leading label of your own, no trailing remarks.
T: {"hour": 7, "minute": 8}
